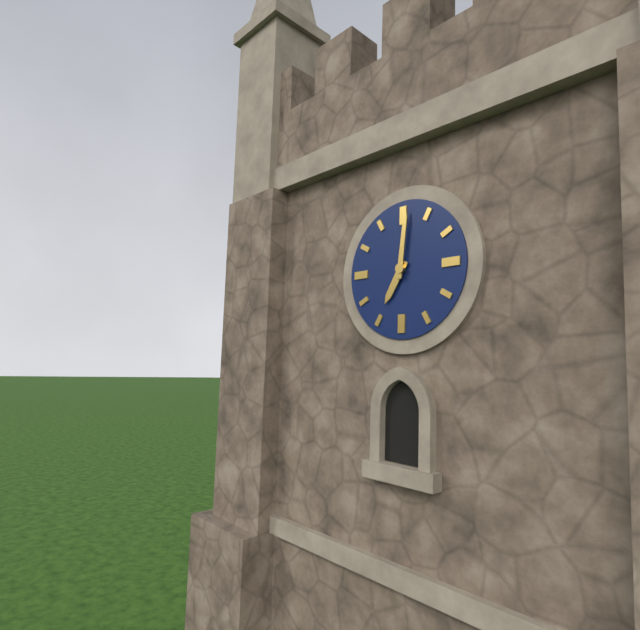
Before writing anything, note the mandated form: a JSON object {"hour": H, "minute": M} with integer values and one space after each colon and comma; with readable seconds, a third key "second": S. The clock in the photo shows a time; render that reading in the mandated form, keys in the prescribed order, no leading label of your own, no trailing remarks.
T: {"hour": 7, "minute": 1}
